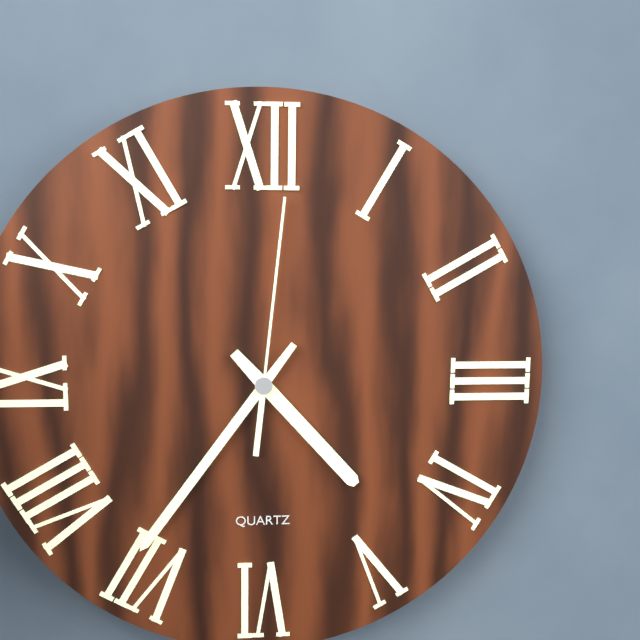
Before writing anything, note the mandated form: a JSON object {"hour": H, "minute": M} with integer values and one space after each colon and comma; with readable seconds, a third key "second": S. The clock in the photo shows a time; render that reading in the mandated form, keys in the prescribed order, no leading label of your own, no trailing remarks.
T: {"hour": 4, "minute": 36, "second": 1}
